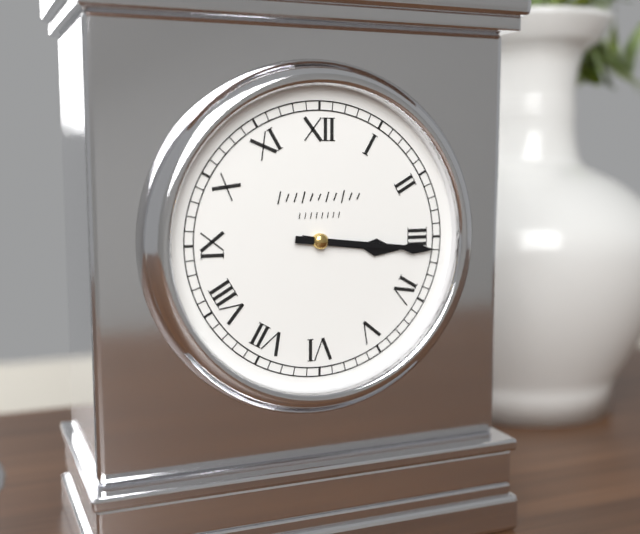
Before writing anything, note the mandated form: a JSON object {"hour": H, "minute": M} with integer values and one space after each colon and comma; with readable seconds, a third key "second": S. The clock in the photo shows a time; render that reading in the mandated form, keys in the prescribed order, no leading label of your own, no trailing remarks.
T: {"hour": 3, "minute": 16}
